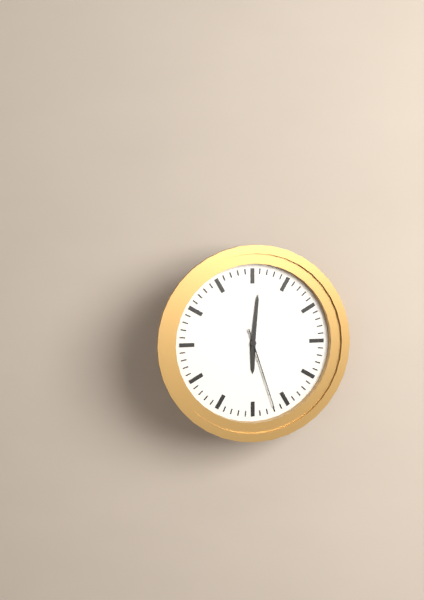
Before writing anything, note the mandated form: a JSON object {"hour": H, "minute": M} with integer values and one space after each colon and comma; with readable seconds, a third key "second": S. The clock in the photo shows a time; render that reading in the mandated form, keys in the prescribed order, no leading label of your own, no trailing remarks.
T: {"hour": 6, "minute": 1, "second": 27}
